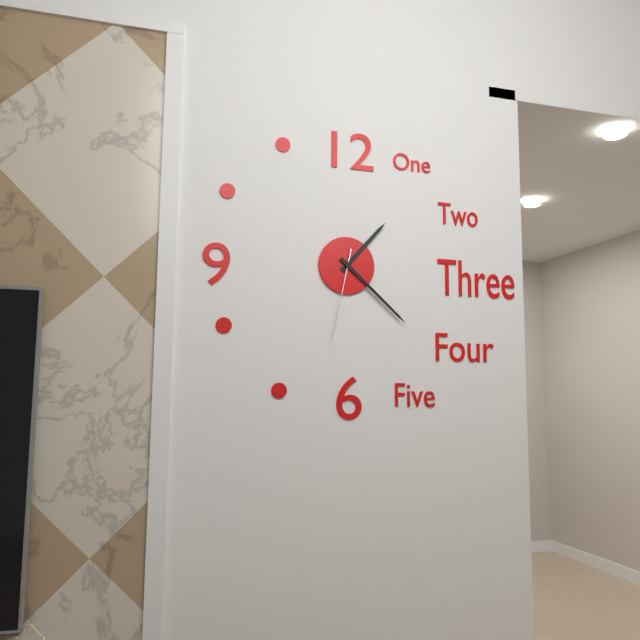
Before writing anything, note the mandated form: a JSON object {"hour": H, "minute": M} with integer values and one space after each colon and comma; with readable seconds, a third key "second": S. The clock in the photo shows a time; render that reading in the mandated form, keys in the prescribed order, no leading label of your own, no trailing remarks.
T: {"hour": 1, "minute": 22, "second": 32}
